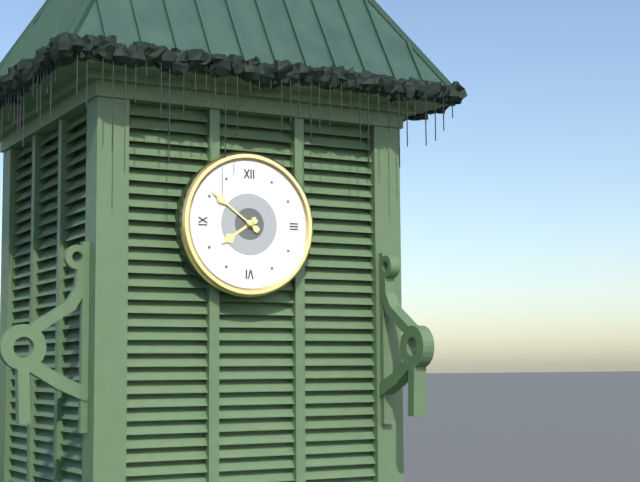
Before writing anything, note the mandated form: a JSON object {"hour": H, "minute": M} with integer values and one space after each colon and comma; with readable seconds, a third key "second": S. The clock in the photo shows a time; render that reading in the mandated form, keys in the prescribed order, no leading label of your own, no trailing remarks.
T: {"hour": 7, "minute": 51}
